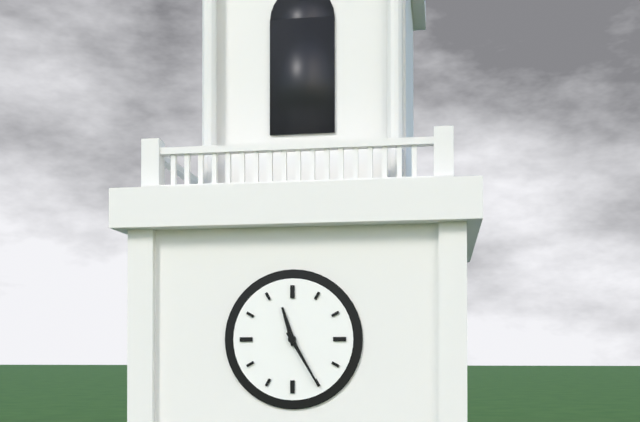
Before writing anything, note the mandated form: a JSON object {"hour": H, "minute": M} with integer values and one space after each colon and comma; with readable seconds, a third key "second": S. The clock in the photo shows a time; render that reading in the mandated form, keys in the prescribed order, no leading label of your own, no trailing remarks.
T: {"hour": 11, "minute": 25}
